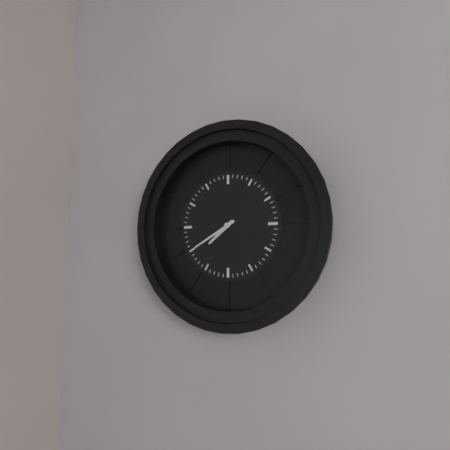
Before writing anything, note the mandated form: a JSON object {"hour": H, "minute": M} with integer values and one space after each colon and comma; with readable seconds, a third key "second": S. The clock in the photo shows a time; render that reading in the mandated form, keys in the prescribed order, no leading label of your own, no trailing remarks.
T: {"hour": 7, "minute": 40}
